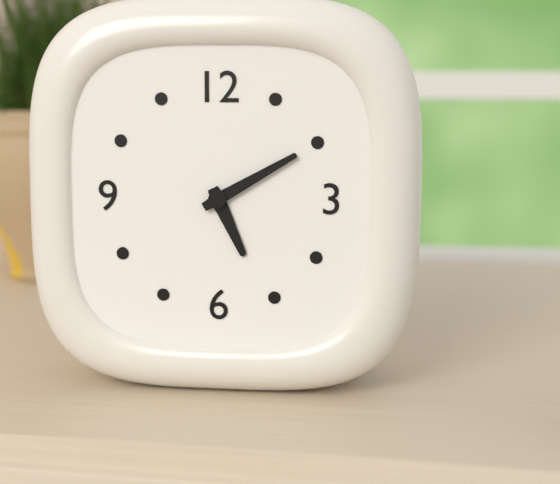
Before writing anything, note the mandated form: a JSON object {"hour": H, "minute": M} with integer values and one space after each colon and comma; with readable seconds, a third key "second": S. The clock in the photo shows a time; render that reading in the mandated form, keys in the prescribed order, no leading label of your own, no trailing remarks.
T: {"hour": 5, "minute": 10}
